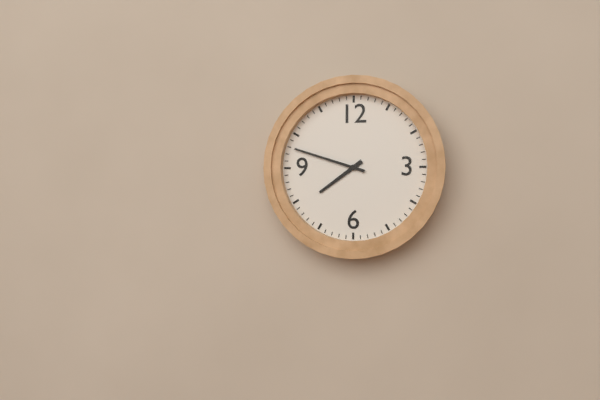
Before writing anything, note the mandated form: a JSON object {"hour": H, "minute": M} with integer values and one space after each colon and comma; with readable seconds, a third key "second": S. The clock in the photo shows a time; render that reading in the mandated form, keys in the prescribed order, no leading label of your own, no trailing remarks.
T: {"hour": 7, "minute": 48}
